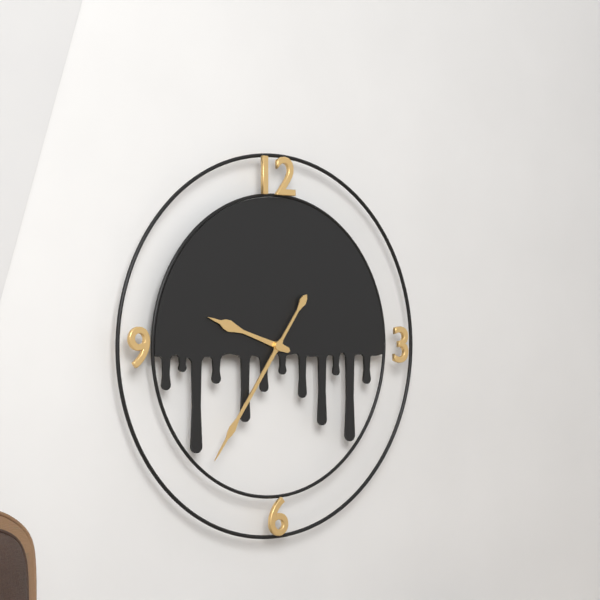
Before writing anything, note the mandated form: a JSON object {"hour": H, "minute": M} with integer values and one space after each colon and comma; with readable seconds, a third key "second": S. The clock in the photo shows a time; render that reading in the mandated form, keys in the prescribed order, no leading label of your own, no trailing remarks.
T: {"hour": 9, "minute": 36}
